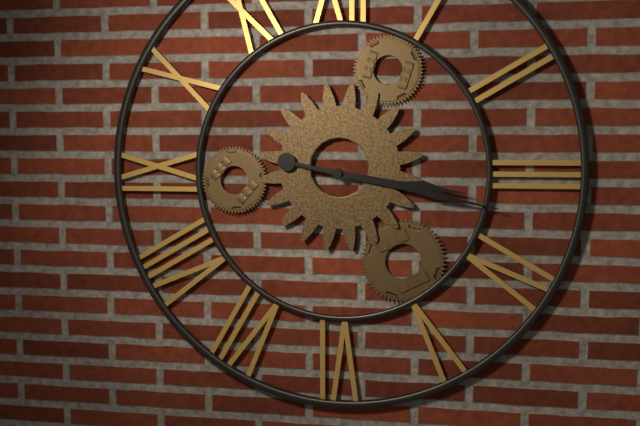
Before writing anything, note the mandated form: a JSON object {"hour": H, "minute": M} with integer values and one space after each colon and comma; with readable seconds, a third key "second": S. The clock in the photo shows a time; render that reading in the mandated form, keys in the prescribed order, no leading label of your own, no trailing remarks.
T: {"hour": 3, "minute": 17}
